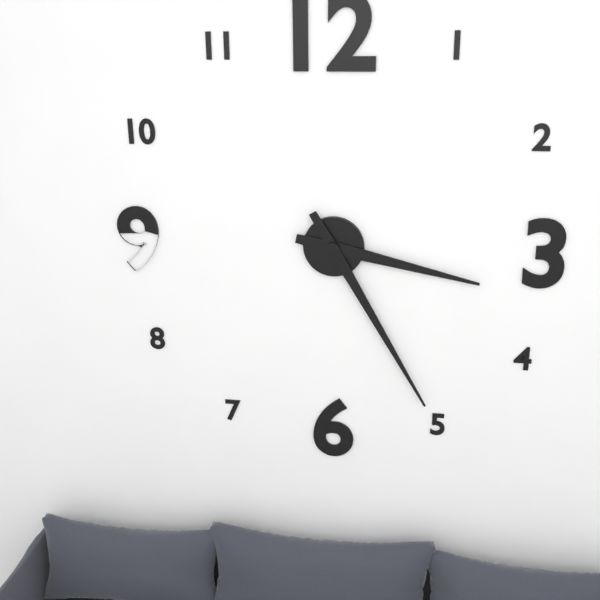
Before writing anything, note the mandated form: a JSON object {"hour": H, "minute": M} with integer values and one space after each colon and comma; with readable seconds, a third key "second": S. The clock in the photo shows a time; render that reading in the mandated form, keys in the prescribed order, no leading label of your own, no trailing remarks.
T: {"hour": 3, "minute": 25}
